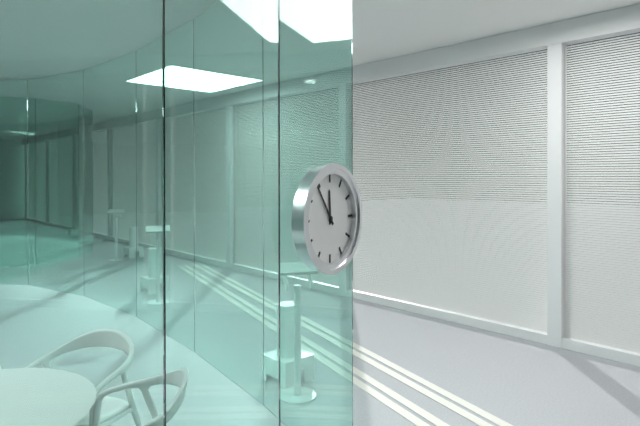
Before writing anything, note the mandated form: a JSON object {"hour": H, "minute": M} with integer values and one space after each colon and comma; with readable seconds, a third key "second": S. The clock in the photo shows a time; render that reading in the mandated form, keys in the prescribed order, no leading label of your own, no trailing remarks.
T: {"hour": 11, "minute": 54}
